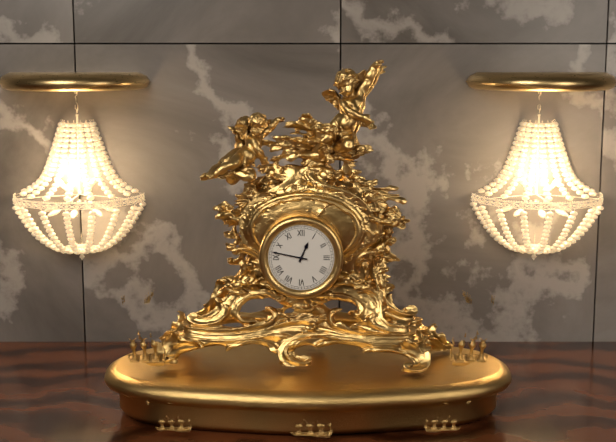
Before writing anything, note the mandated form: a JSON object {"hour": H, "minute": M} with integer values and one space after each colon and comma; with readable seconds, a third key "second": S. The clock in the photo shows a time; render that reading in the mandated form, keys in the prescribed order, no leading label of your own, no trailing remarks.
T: {"hour": 12, "minute": 47}
